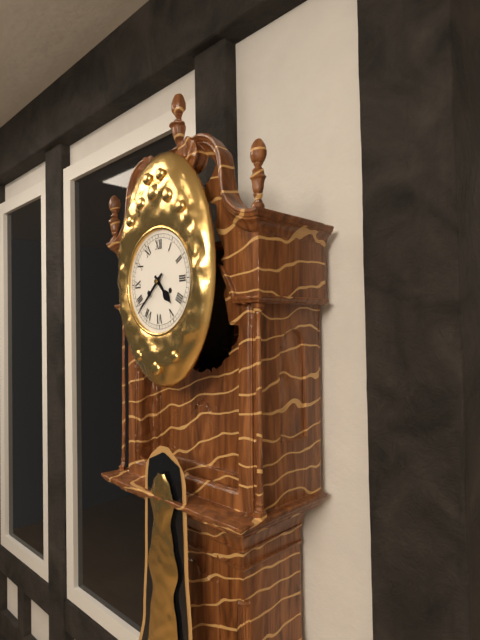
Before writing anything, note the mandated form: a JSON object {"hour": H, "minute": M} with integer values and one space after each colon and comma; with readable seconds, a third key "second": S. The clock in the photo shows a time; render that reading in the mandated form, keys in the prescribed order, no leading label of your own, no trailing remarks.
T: {"hour": 4, "minute": 38}
